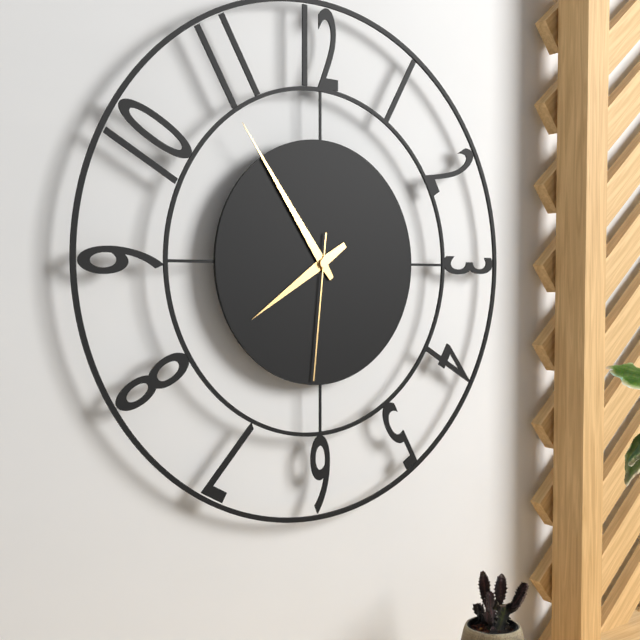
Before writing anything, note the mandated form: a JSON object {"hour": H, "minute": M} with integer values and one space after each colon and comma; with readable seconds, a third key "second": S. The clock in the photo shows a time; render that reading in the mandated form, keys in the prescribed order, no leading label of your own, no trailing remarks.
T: {"hour": 7, "minute": 54, "second": 31}
